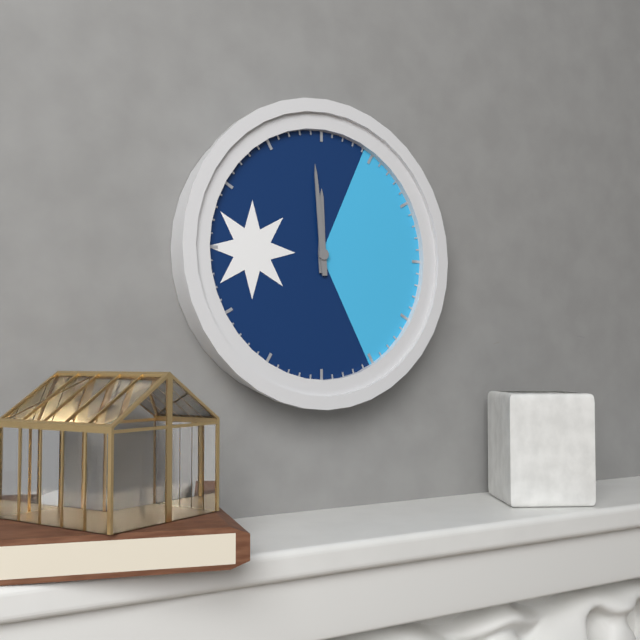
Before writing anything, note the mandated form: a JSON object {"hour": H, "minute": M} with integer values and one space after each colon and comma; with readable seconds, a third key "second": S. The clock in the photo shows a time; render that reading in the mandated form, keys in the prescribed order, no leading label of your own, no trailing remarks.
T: {"hour": 11, "minute": 59}
